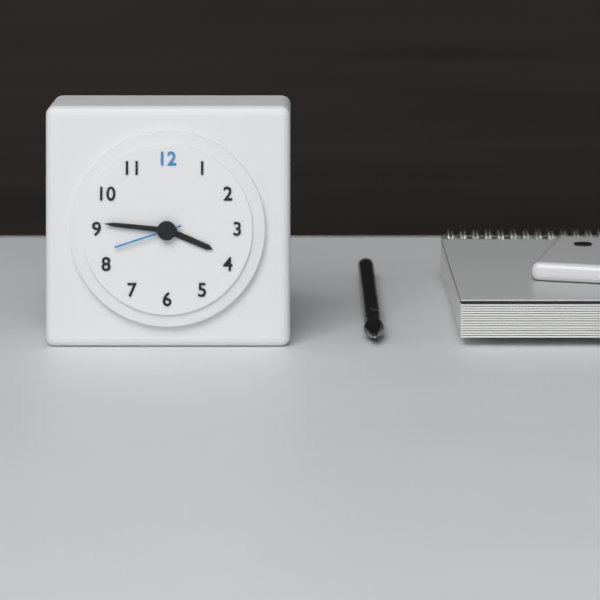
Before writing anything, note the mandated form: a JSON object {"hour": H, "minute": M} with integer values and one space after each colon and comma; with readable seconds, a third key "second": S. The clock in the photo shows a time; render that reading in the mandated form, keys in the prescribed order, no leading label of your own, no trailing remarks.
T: {"hour": 3, "minute": 46, "second": 42}
